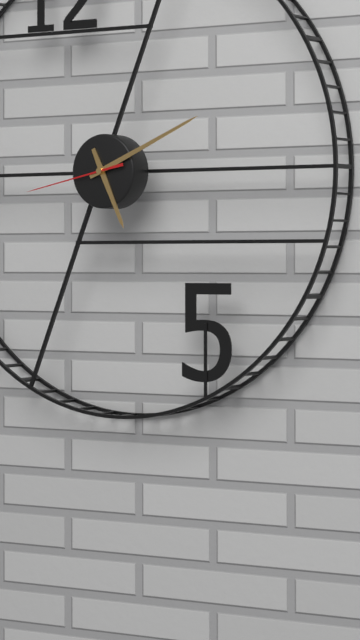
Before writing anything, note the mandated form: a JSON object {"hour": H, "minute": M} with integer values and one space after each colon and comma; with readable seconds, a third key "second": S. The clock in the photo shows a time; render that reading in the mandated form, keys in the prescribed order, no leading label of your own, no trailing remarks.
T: {"hour": 5, "minute": 11, "second": 43}
